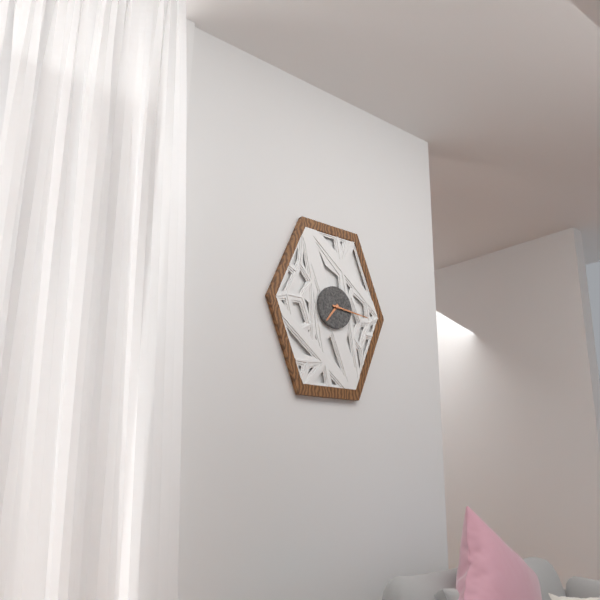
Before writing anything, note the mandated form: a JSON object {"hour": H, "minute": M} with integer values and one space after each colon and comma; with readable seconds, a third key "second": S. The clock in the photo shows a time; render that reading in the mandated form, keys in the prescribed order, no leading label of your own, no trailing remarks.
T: {"hour": 7, "minute": 16}
